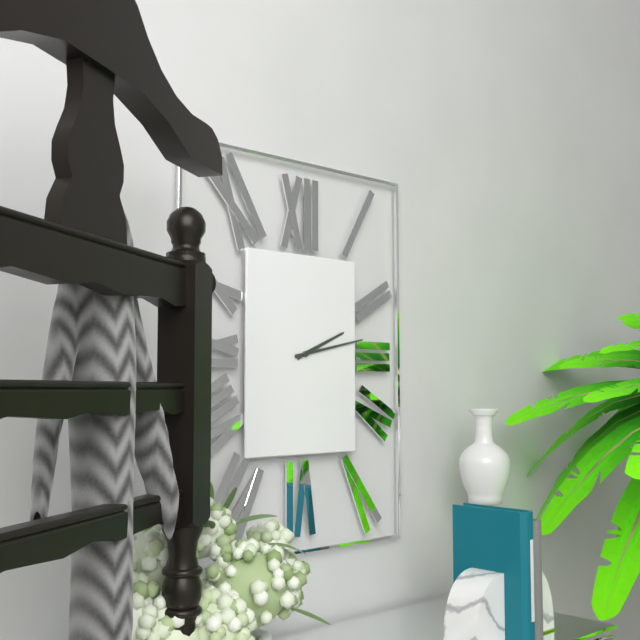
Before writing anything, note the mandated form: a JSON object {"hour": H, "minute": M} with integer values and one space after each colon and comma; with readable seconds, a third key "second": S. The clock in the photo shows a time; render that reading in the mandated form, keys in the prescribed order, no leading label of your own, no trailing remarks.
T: {"hour": 2, "minute": 13}
